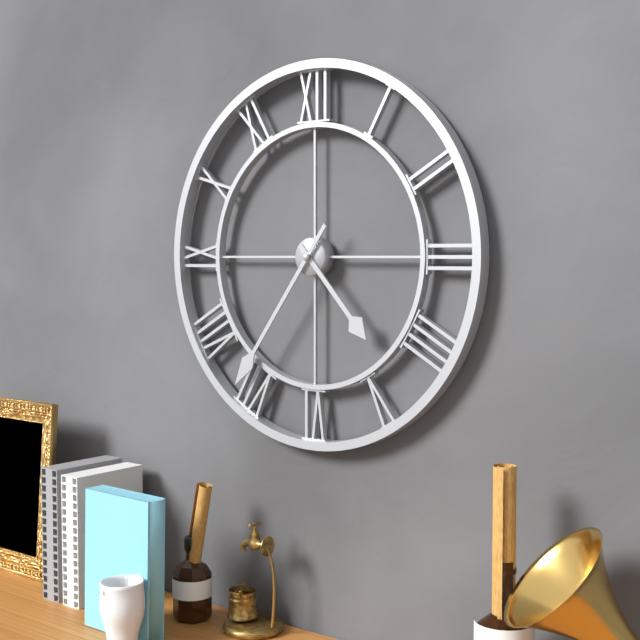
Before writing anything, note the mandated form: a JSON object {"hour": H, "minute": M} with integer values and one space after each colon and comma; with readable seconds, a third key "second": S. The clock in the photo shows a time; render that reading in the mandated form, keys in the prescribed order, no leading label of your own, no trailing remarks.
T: {"hour": 4, "minute": 36}
